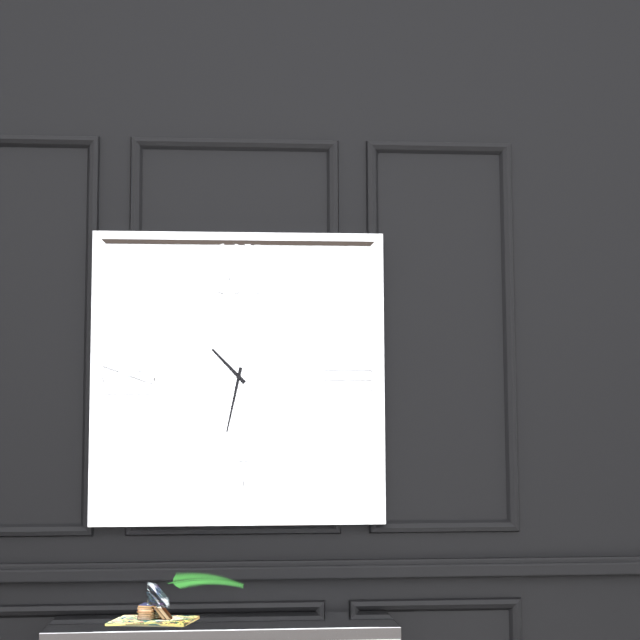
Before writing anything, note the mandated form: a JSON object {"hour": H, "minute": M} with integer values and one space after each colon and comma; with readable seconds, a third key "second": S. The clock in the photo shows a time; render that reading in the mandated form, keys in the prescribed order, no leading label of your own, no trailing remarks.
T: {"hour": 10, "minute": 32}
